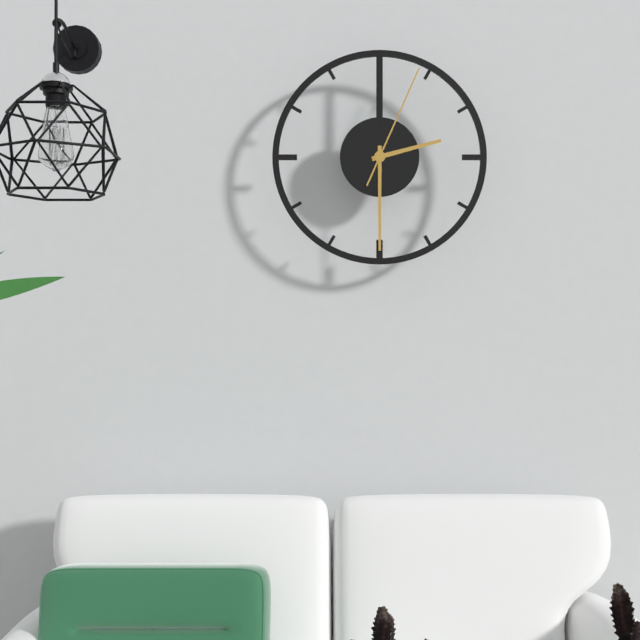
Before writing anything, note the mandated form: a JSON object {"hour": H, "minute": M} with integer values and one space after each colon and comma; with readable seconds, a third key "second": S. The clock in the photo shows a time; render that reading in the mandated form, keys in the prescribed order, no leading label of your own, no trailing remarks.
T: {"hour": 2, "minute": 30, "second": 4}
